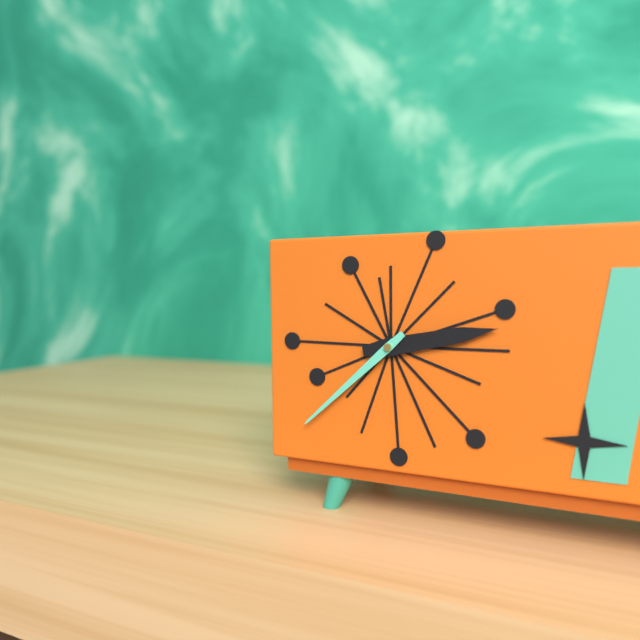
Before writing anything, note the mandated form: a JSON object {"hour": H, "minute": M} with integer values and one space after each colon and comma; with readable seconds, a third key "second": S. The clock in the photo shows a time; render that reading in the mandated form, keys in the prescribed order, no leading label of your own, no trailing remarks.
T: {"hour": 2, "minute": 38}
